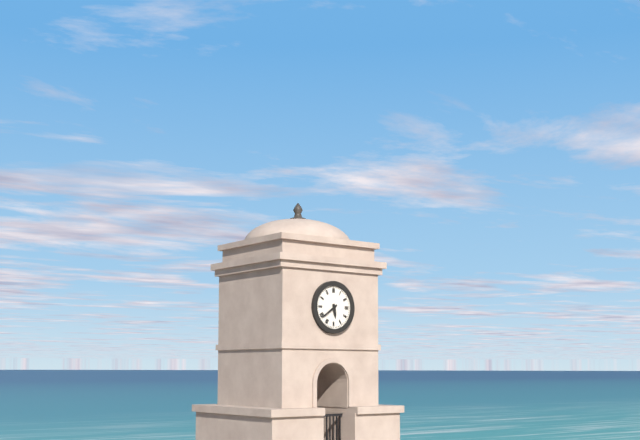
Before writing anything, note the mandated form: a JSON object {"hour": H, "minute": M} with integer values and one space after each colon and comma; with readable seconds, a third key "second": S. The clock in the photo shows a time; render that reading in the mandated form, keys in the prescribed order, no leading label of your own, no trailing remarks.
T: {"hour": 5, "minute": 39}
